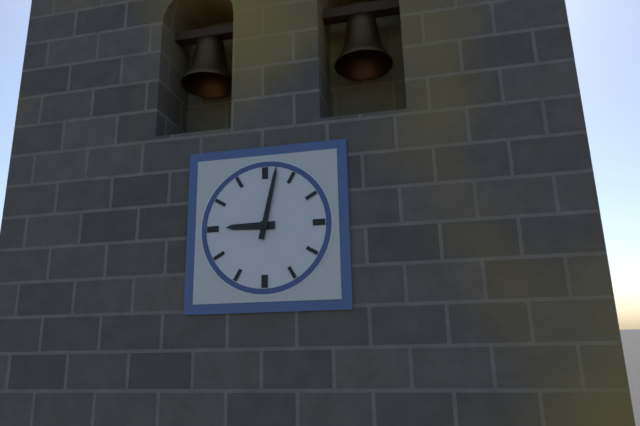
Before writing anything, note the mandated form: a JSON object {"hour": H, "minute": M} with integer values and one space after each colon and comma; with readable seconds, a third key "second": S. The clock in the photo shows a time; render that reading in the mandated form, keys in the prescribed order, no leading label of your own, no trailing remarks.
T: {"hour": 9, "minute": 2}
